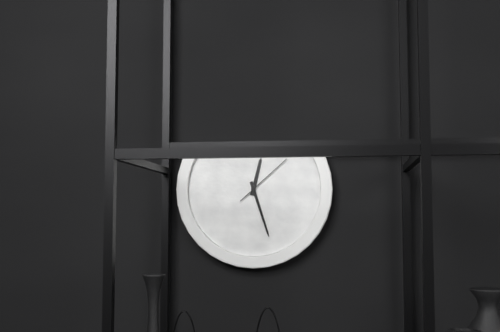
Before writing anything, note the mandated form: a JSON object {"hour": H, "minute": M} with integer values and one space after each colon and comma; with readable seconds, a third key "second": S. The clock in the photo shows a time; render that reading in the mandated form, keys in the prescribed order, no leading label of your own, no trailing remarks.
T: {"hour": 12, "minute": 27, "second": 8}
